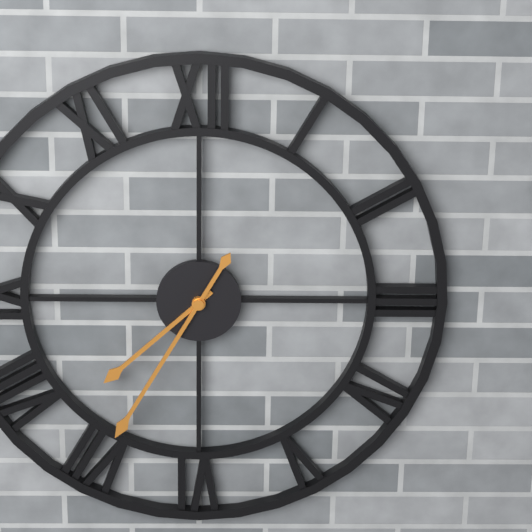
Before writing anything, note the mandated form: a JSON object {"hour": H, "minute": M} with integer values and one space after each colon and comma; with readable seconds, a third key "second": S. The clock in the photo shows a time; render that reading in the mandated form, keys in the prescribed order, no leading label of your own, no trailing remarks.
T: {"hour": 7, "minute": 35}
